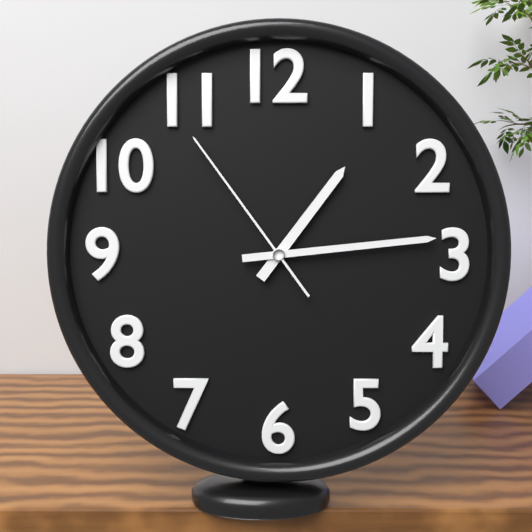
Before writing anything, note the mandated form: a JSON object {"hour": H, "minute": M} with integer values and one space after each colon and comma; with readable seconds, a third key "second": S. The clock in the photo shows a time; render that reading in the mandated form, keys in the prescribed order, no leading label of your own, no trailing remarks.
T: {"hour": 1, "minute": 14, "second": 54}
